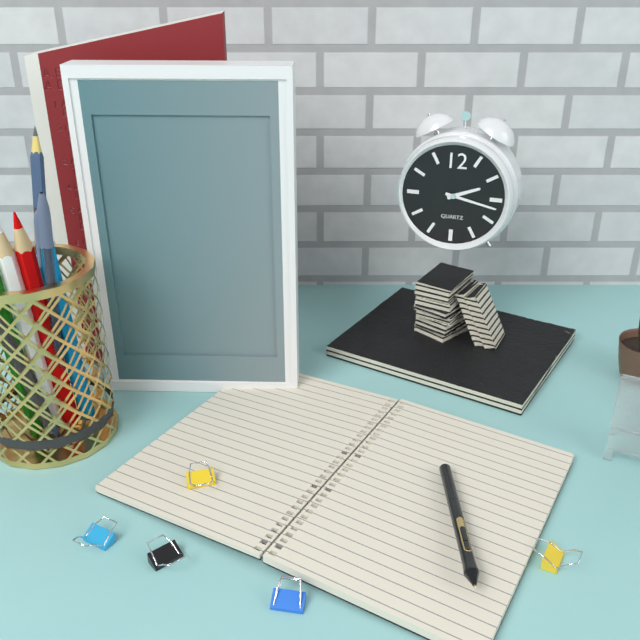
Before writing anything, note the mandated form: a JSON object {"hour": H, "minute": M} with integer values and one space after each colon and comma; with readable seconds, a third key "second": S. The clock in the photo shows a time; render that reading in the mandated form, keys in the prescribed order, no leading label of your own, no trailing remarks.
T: {"hour": 2, "minute": 17}
